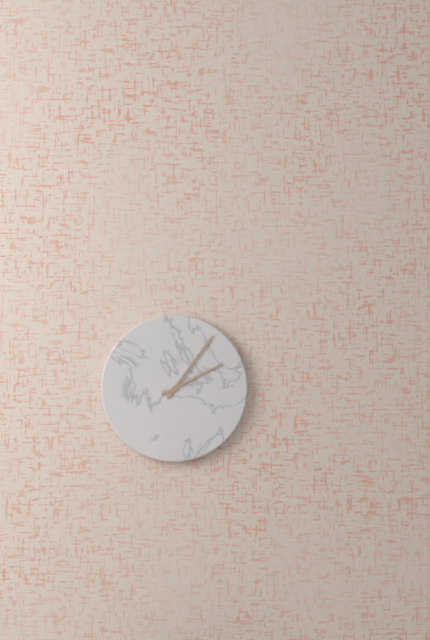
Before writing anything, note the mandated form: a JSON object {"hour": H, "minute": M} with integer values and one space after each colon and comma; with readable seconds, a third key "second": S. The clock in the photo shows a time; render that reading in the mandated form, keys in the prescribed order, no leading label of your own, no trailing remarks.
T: {"hour": 2, "minute": 6}
